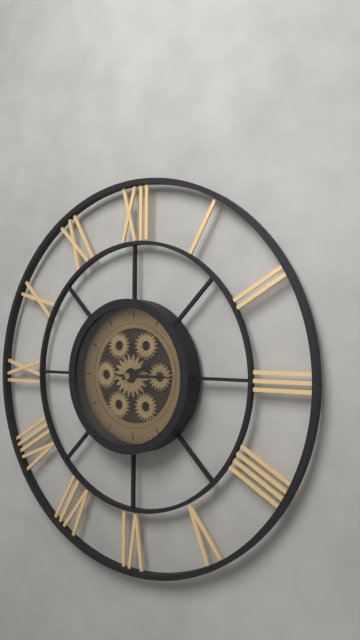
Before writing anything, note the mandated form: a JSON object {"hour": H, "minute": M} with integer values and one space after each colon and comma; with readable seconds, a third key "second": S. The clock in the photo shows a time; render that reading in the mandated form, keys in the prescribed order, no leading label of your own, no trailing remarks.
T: {"hour": 2, "minute": 15}
